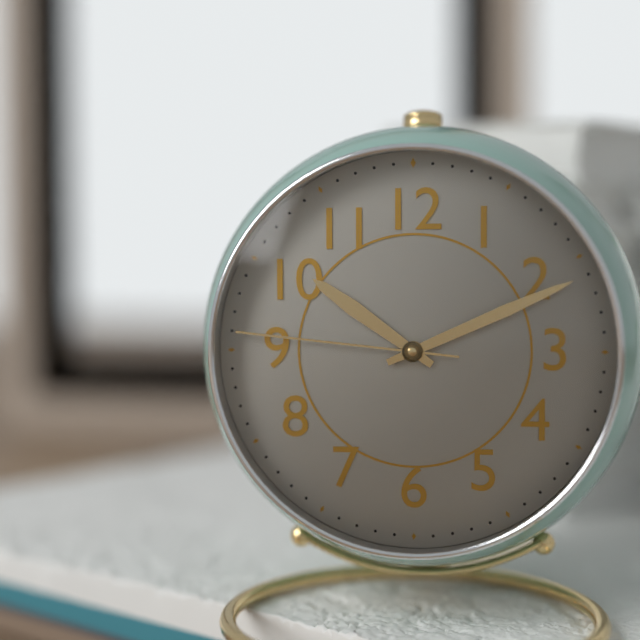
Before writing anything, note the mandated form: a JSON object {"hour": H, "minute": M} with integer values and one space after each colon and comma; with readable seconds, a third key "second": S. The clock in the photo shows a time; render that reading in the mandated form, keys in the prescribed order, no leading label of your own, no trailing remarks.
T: {"hour": 10, "minute": 11, "second": 46}
